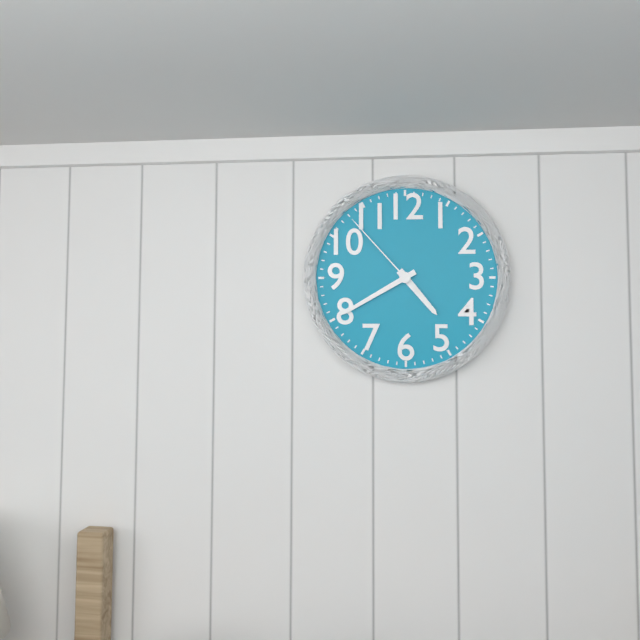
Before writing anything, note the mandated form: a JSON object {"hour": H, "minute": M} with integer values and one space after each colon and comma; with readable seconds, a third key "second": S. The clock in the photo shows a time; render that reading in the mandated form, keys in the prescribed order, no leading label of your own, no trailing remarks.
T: {"hour": 4, "minute": 40, "second": 53}
